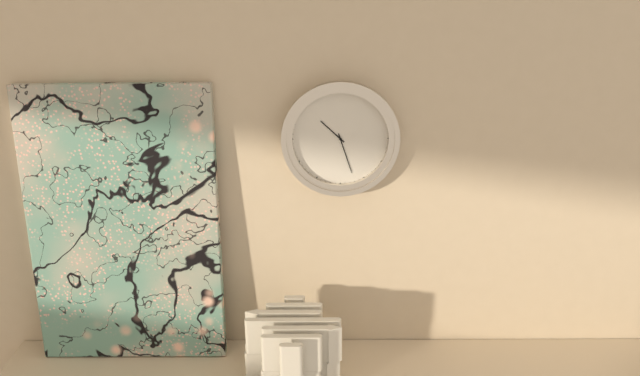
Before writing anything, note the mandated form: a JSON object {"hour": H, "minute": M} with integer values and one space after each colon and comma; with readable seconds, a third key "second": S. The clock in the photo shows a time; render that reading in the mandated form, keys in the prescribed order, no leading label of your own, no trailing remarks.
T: {"hour": 10, "minute": 27}
